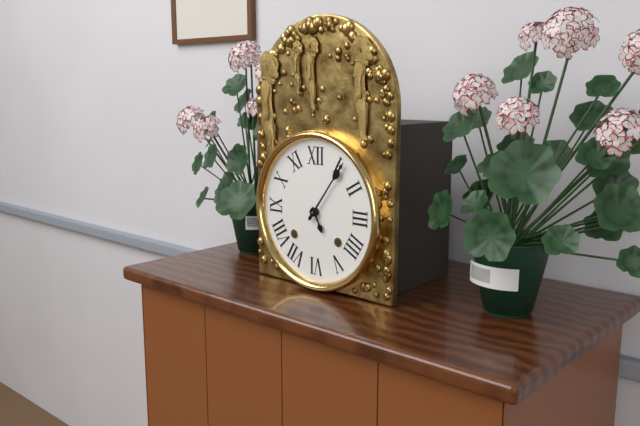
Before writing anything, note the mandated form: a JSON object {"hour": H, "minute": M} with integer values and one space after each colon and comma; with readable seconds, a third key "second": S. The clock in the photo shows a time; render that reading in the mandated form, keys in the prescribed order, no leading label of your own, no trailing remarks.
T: {"hour": 5, "minute": 6}
